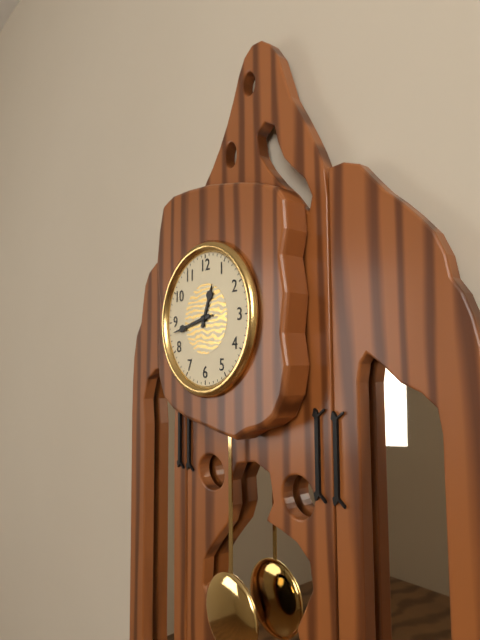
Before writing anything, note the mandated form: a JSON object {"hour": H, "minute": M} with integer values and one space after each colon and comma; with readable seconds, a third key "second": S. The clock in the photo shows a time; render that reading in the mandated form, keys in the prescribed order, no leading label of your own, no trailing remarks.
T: {"hour": 12, "minute": 43}
